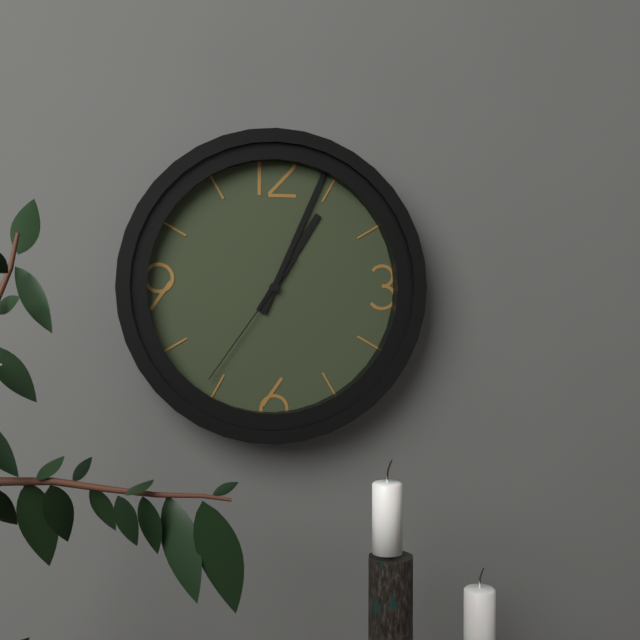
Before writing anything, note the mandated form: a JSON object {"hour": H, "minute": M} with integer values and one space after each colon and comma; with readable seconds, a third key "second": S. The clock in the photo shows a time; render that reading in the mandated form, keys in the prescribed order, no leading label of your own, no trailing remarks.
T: {"hour": 1, "minute": 4, "second": 36}
